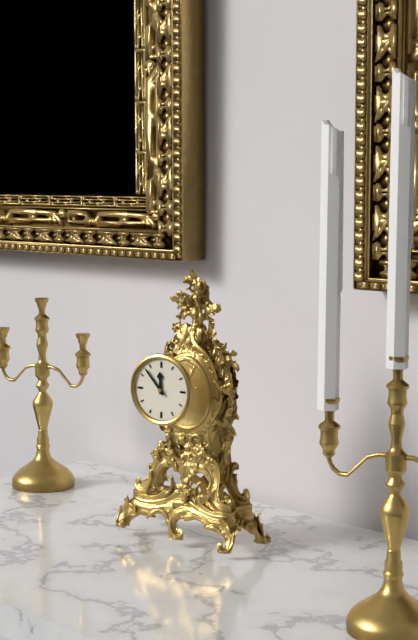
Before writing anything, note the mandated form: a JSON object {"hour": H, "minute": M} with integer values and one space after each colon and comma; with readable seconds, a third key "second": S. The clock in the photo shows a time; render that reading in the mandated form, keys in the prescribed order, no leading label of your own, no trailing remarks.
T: {"hour": 11, "minute": 53}
